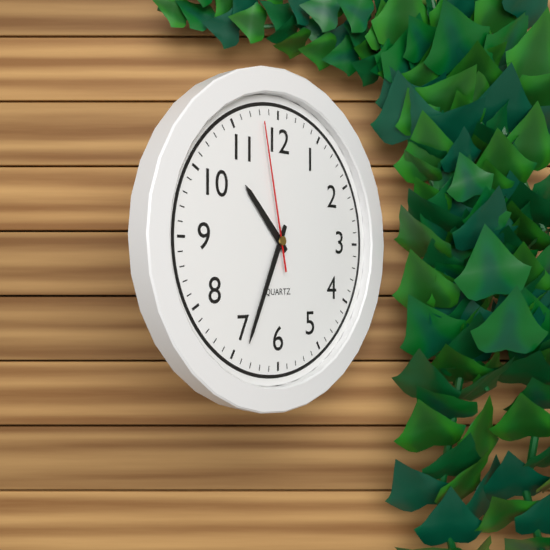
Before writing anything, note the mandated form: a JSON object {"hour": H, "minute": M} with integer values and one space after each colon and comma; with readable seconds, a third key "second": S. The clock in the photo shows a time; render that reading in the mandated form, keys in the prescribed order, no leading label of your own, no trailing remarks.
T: {"hour": 10, "minute": 34, "second": 58}
